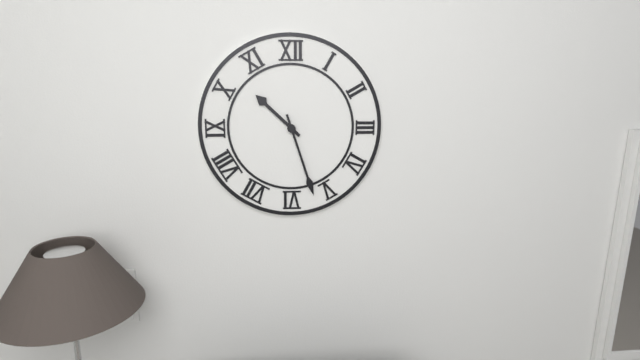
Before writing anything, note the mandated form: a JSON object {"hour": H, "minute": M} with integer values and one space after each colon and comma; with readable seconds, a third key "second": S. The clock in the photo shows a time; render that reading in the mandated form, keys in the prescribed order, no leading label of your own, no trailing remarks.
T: {"hour": 10, "minute": 27}
